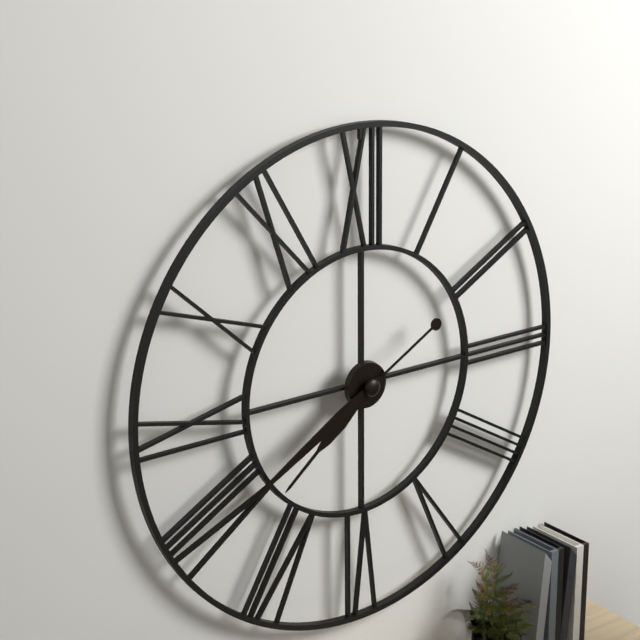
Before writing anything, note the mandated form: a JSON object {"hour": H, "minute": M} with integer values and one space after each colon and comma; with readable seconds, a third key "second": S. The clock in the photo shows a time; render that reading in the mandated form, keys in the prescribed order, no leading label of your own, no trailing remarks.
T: {"hour": 7, "minute": 40}
